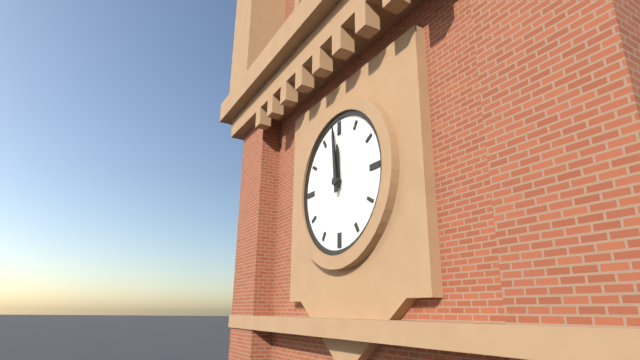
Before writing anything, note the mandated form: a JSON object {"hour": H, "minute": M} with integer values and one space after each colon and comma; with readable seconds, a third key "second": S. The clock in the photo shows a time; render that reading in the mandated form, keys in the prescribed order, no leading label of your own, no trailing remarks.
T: {"hour": 11, "minute": 59}
